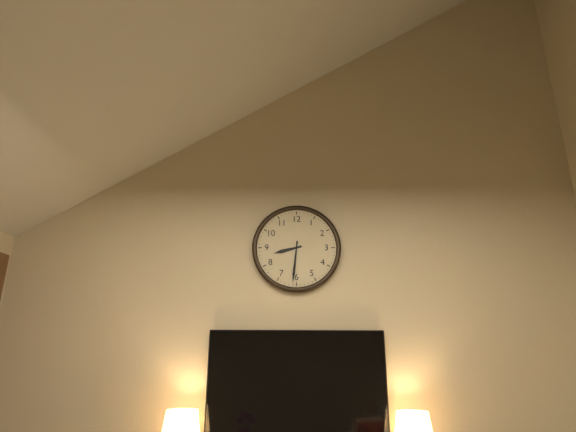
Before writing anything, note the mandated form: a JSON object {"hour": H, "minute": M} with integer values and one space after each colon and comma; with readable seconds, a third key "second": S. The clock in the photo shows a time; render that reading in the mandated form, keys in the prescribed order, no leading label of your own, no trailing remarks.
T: {"hour": 8, "minute": 31}
